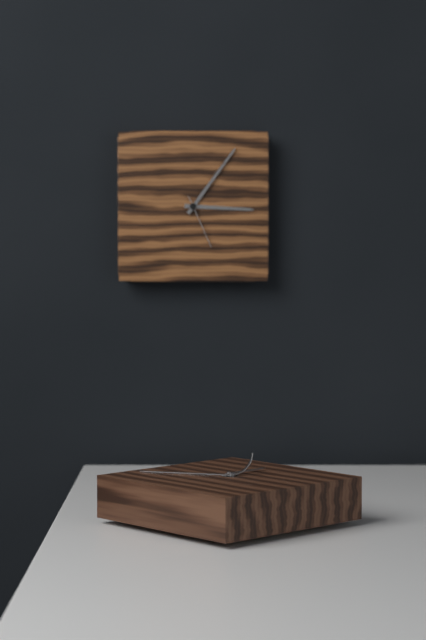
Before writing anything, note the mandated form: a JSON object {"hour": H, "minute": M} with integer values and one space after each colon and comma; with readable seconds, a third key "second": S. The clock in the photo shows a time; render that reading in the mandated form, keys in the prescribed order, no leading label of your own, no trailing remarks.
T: {"hour": 3, "minute": 6, "second": 26}
